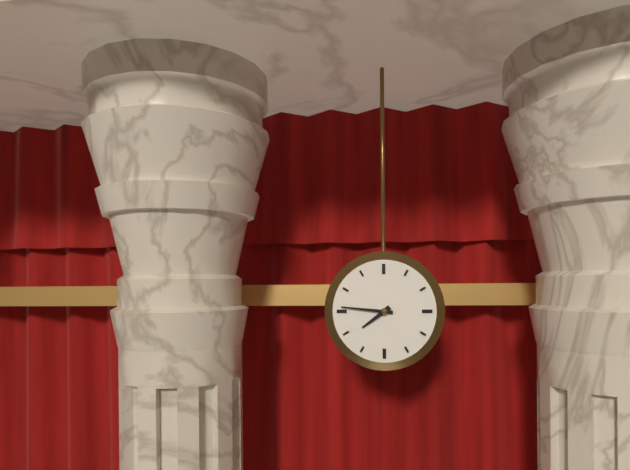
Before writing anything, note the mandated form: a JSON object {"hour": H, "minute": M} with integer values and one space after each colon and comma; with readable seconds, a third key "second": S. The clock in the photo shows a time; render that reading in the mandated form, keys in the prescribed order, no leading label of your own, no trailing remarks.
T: {"hour": 7, "minute": 46}
